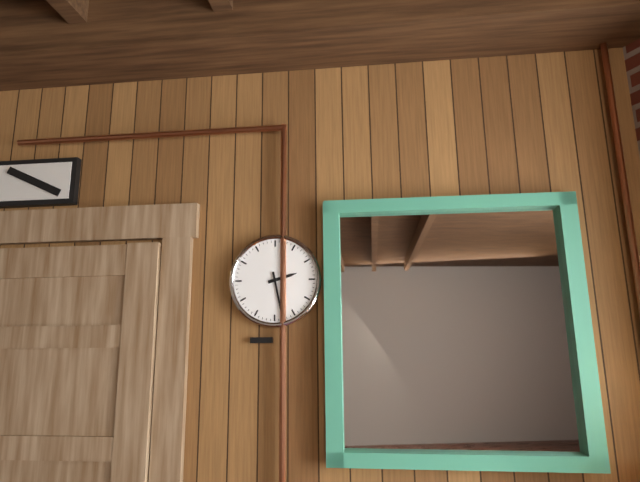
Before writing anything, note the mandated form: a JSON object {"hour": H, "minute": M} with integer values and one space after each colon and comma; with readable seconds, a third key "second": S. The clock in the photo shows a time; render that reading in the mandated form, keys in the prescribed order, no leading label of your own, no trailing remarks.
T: {"hour": 2, "minute": 28}
